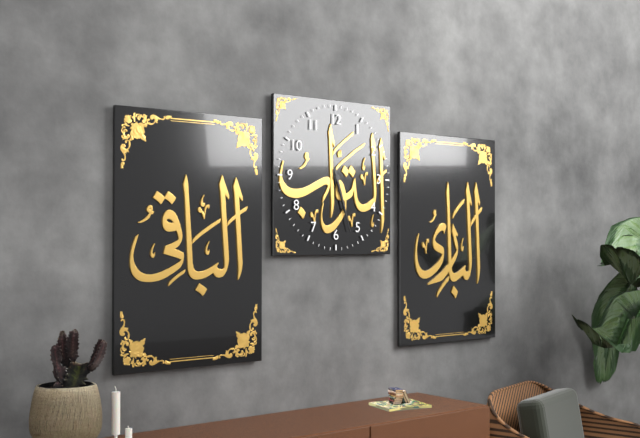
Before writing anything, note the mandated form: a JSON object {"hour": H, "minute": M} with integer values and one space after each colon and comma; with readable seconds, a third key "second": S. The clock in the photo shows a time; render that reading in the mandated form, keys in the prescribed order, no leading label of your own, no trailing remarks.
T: {"hour": 5, "minute": 27}
